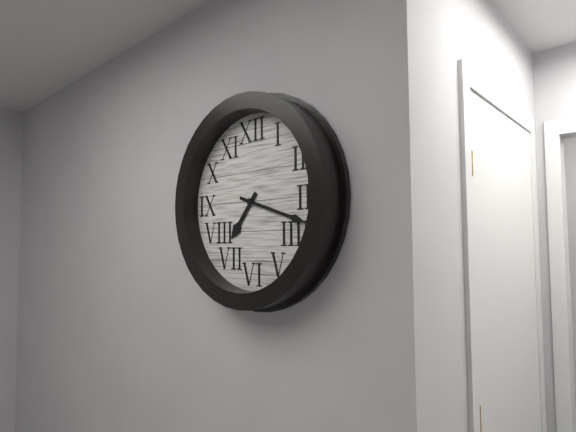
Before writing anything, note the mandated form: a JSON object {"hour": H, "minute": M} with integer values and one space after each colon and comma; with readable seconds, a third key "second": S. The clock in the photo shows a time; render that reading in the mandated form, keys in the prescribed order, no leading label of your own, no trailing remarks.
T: {"hour": 7, "minute": 18}
